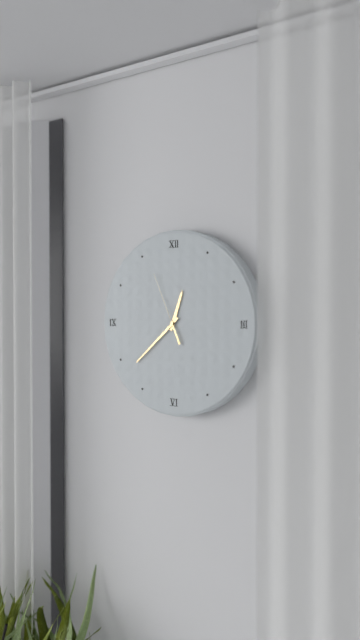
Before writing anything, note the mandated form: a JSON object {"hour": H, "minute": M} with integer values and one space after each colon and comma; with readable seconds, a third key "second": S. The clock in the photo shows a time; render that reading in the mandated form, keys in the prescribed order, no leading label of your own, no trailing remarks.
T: {"hour": 12, "minute": 38, "second": 56}
